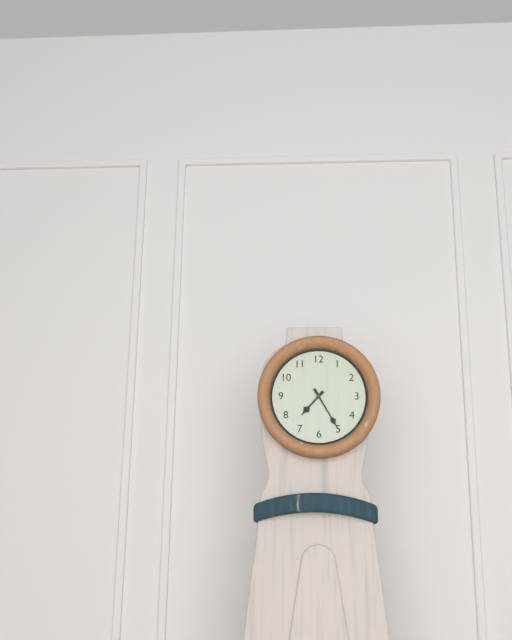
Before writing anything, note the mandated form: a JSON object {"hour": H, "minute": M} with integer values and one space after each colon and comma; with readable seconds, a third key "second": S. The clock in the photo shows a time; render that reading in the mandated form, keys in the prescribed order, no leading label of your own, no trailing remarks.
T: {"hour": 7, "minute": 25}
